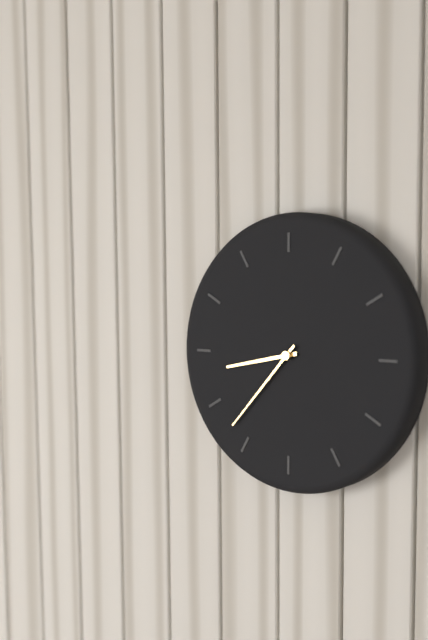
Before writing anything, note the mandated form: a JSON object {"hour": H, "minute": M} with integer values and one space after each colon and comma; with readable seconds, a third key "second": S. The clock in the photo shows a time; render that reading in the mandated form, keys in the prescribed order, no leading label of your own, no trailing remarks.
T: {"hour": 8, "minute": 37}
